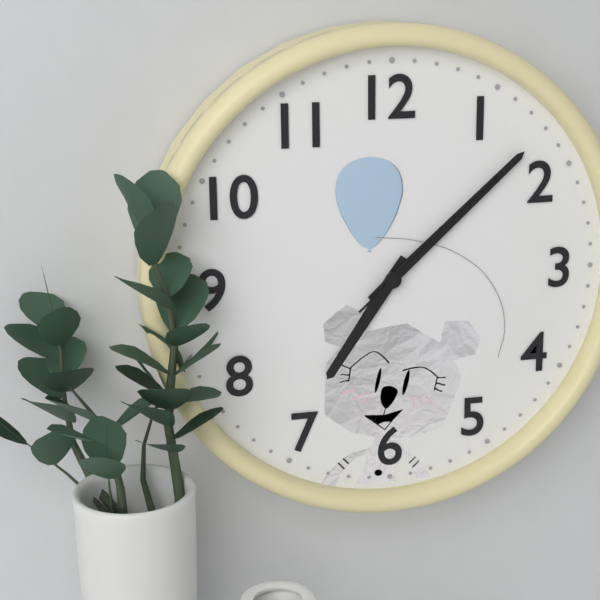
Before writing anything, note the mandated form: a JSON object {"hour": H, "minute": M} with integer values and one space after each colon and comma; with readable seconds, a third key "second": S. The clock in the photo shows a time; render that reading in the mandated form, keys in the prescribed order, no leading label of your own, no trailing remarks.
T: {"hour": 7, "minute": 8, "second": 8}
